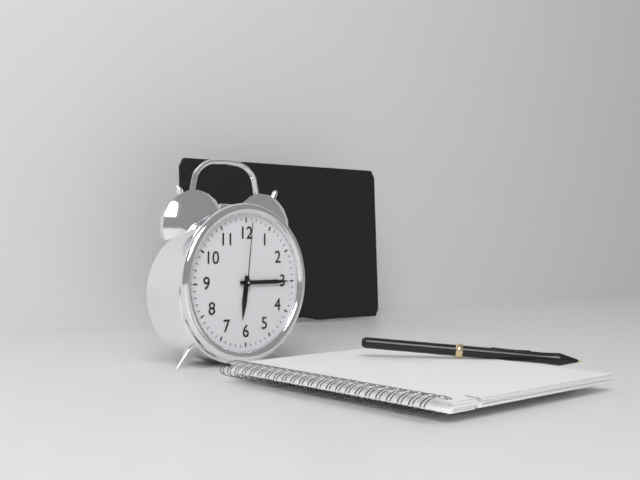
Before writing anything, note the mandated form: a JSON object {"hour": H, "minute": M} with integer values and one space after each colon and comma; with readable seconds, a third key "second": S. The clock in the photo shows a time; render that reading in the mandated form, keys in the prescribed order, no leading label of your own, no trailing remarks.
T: {"hour": 6, "minute": 15, "second": 1}
